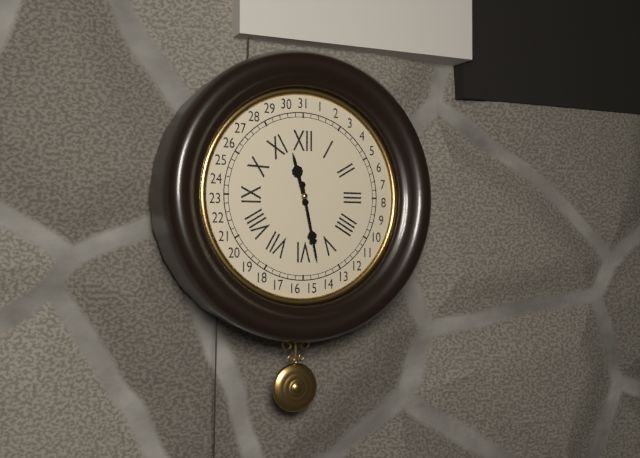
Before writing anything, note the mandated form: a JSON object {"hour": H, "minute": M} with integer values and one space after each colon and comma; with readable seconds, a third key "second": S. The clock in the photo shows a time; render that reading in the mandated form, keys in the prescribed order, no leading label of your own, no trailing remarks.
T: {"hour": 11, "minute": 28}
